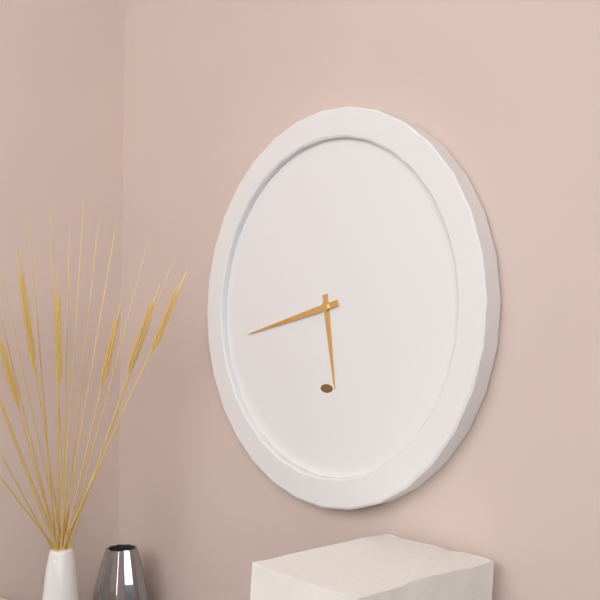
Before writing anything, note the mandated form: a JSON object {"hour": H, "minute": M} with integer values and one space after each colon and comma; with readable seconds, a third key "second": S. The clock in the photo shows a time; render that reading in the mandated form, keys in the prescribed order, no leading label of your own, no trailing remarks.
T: {"hour": 5, "minute": 43}
